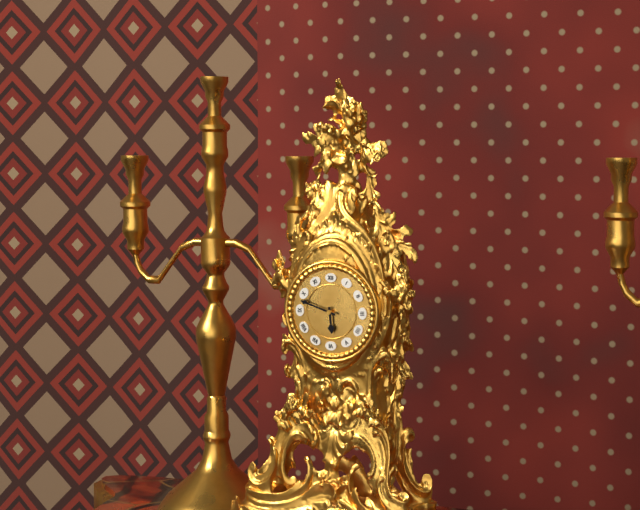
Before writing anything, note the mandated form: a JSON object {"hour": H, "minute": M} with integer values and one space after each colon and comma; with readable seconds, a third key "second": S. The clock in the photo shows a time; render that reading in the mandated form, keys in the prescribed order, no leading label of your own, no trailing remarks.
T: {"hour": 5, "minute": 48}
